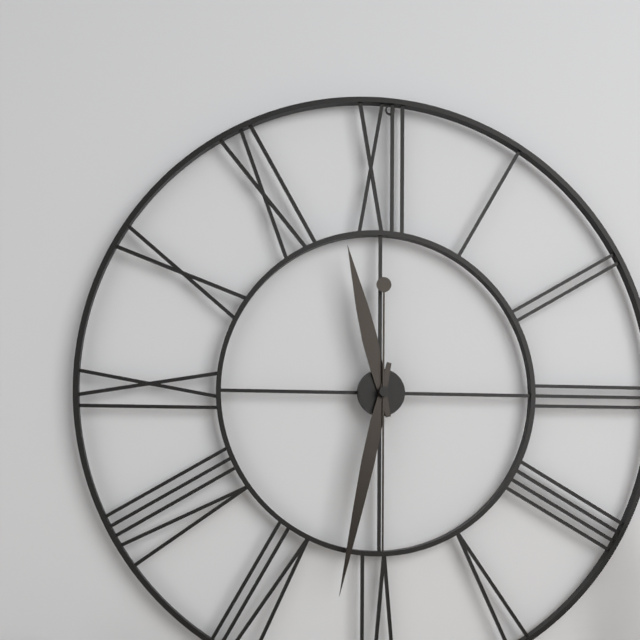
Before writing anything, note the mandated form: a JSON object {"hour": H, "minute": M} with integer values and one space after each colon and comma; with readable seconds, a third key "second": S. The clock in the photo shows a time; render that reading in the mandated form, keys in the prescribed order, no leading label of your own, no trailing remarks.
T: {"hour": 11, "minute": 32, "second": 30}
